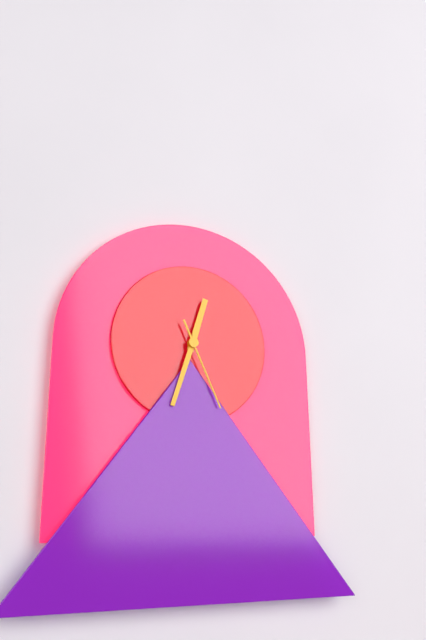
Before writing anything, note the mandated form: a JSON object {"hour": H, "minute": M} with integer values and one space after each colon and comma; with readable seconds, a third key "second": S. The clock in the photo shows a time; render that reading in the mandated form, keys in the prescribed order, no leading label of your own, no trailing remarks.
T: {"hour": 12, "minute": 33, "second": 26}
